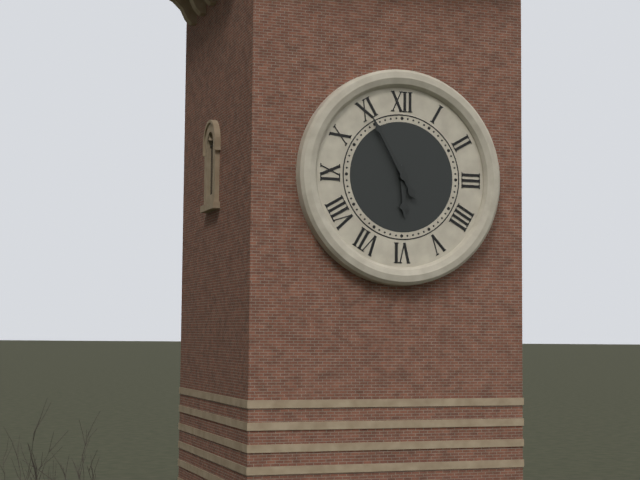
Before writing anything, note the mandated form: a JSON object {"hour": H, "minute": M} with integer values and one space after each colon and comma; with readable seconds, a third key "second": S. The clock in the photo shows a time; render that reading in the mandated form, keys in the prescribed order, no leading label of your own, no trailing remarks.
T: {"hour": 5, "minute": 55}
